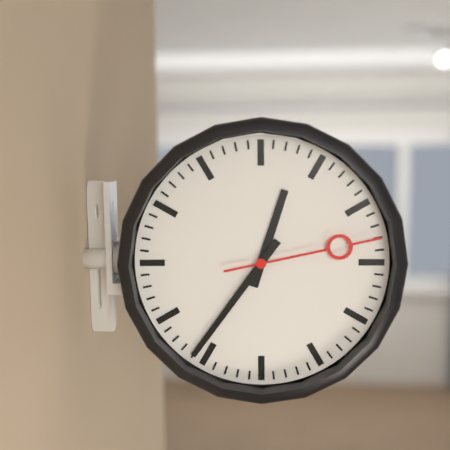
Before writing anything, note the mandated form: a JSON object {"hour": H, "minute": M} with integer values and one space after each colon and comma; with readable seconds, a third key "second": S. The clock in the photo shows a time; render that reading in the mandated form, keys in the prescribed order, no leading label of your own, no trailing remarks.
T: {"hour": 12, "minute": 36, "second": 13}
